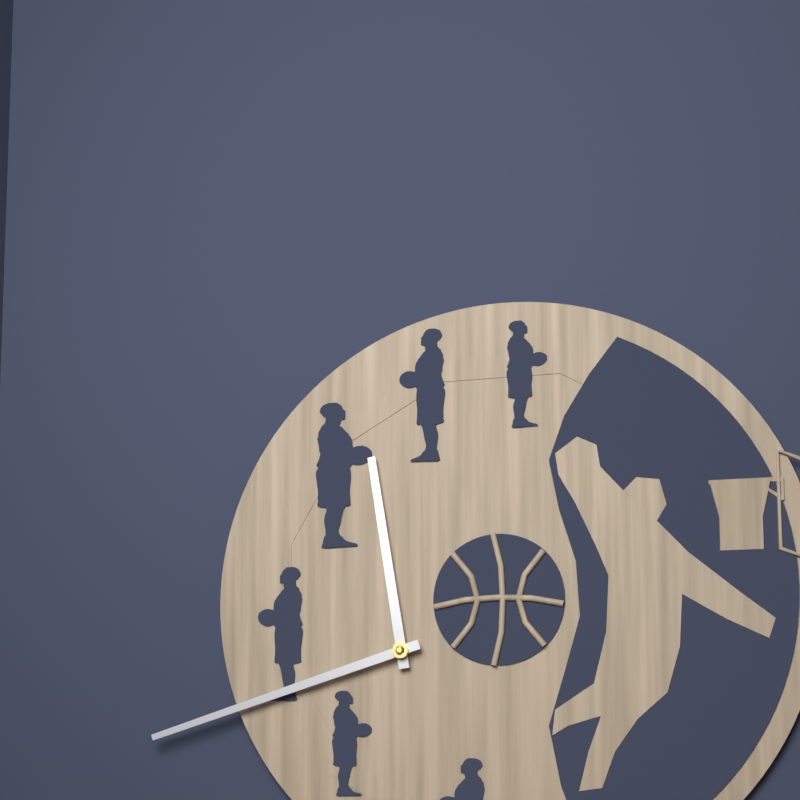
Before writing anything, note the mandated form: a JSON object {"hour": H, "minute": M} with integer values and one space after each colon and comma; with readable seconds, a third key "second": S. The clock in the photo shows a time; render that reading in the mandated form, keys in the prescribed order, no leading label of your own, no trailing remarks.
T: {"hour": 11, "minute": 42}
